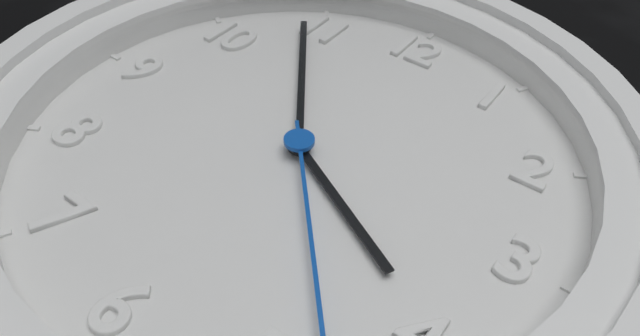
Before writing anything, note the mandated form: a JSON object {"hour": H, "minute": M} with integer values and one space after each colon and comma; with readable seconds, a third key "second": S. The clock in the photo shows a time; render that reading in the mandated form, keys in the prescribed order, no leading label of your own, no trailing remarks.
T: {"hour": 3, "minute": 54}
